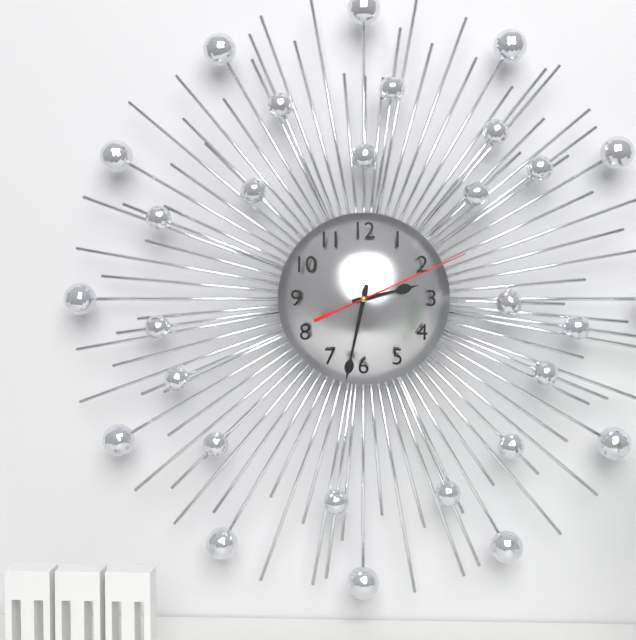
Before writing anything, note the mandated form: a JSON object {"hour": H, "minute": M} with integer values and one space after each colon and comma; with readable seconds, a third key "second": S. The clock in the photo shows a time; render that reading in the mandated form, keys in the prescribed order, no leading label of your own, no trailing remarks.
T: {"hour": 2, "minute": 32, "second": 11}
